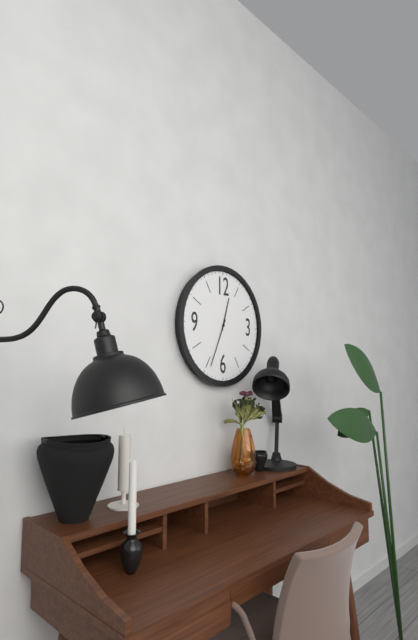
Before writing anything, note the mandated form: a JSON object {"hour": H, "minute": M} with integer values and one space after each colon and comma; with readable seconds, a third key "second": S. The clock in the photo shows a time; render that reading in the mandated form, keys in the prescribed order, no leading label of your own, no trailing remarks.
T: {"hour": 12, "minute": 34}
